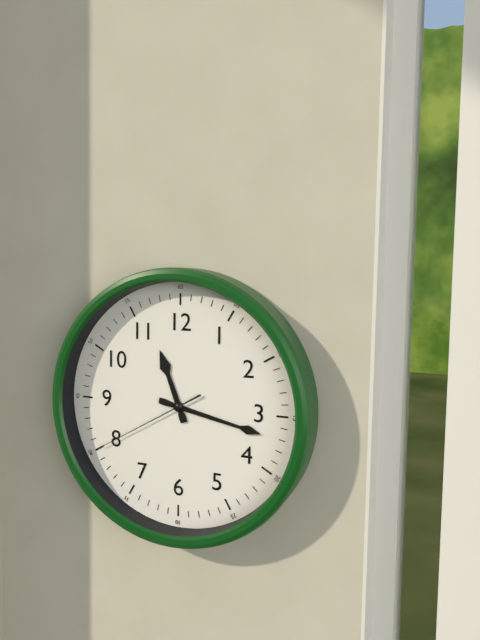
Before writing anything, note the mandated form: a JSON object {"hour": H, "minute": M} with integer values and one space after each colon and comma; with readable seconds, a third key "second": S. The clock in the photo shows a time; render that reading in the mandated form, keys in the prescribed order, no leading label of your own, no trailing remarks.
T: {"hour": 11, "minute": 17, "second": 40}
